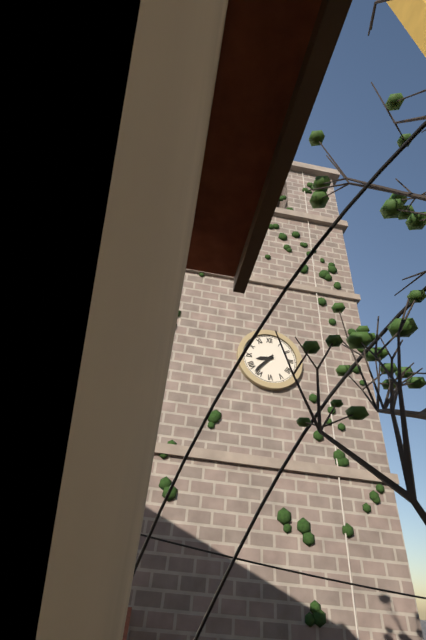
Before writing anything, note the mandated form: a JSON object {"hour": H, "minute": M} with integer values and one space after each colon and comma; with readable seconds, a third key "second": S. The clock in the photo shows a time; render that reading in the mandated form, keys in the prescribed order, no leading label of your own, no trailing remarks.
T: {"hour": 8, "minute": 37}
